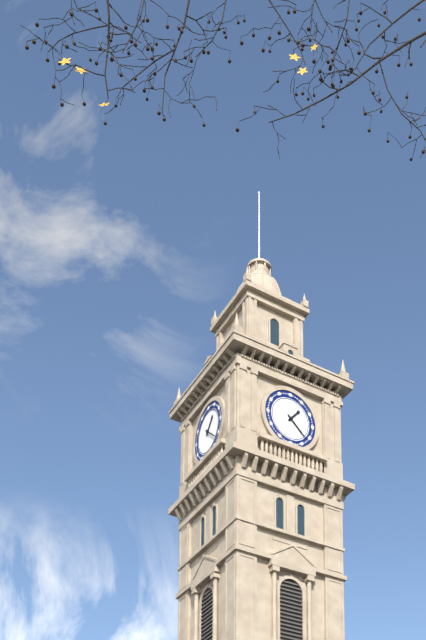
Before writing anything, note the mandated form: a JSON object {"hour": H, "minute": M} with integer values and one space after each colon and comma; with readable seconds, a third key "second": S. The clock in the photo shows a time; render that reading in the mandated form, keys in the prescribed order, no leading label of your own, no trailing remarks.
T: {"hour": 1, "minute": 22}
